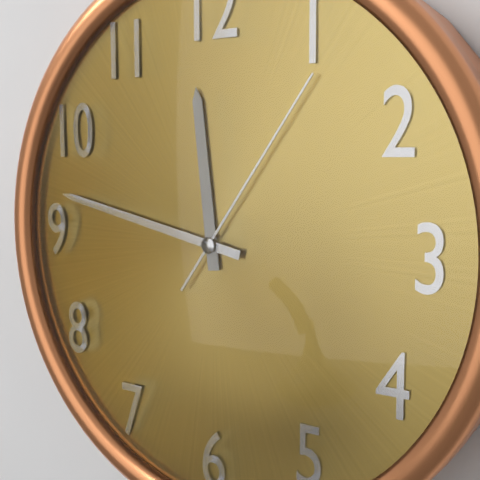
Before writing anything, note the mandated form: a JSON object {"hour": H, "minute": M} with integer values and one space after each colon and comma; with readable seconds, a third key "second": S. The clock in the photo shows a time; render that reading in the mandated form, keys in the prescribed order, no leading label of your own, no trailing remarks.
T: {"hour": 11, "minute": 47, "second": 6}
